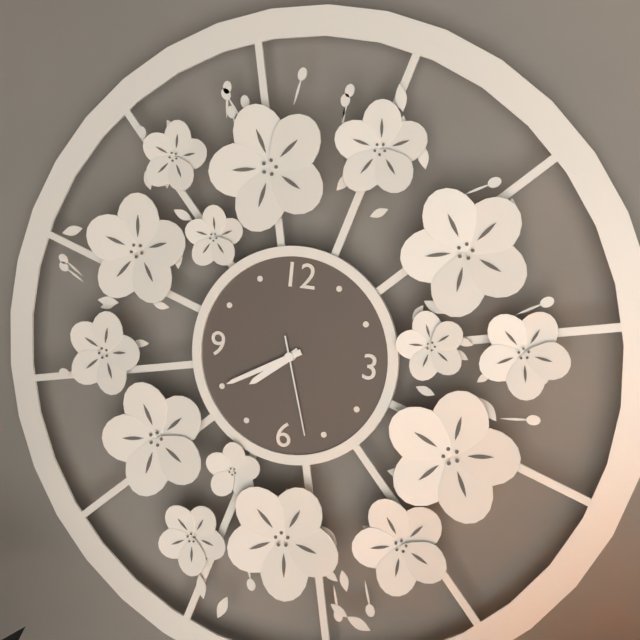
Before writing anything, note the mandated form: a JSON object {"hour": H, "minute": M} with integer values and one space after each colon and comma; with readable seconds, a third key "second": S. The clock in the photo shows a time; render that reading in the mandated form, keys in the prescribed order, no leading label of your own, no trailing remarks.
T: {"hour": 7, "minute": 40, "second": 27}
